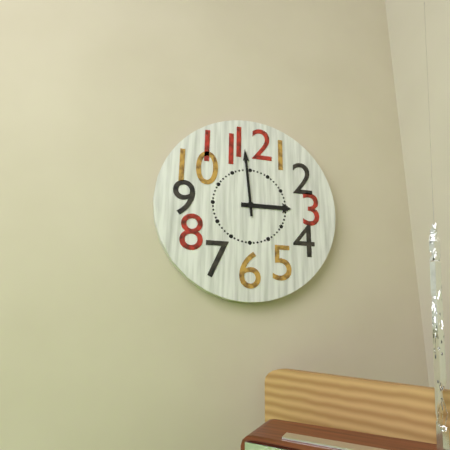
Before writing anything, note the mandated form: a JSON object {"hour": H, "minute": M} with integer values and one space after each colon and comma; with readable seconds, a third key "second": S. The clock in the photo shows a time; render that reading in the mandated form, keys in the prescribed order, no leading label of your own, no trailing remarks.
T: {"hour": 2, "minute": 59}
